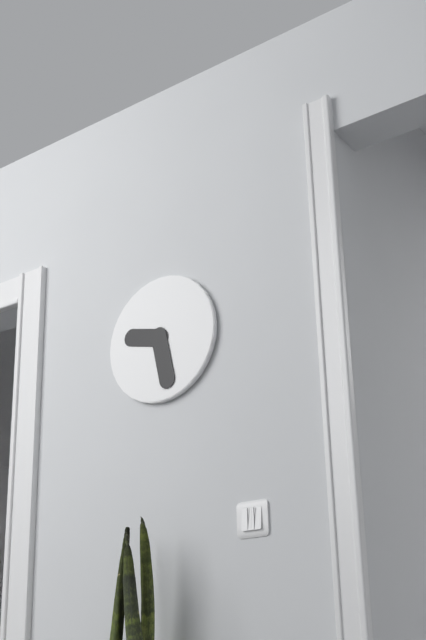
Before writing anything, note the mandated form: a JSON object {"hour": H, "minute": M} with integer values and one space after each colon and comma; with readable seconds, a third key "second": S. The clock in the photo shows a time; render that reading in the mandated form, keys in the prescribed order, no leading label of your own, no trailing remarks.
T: {"hour": 9, "minute": 28}
